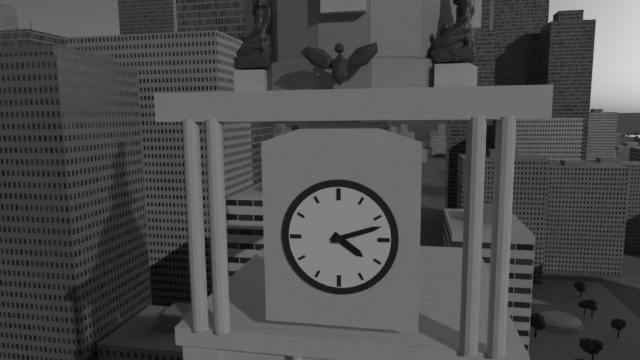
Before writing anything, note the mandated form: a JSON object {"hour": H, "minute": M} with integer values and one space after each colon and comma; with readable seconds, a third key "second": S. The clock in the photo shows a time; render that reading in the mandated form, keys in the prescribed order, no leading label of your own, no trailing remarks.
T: {"hour": 4, "minute": 12}
